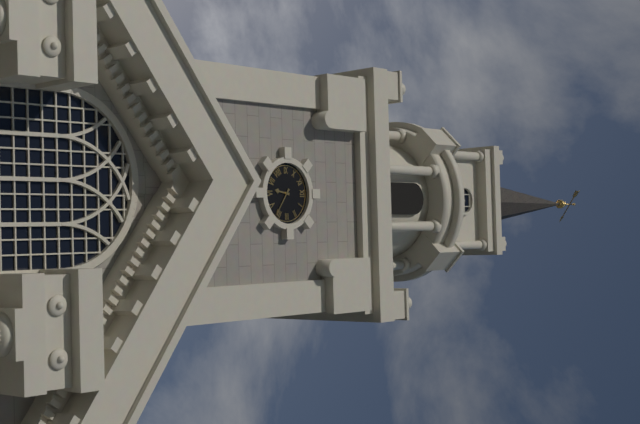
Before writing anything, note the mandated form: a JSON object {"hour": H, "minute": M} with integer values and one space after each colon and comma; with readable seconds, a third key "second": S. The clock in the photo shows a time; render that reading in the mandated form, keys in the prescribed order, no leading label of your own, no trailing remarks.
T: {"hour": 6, "minute": 21}
